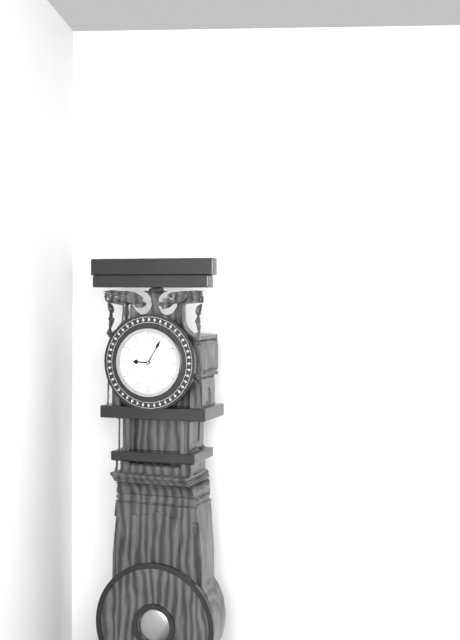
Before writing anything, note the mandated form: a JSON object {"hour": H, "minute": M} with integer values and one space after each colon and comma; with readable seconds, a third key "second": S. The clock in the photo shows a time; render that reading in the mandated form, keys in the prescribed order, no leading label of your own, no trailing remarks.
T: {"hour": 9, "minute": 5}
